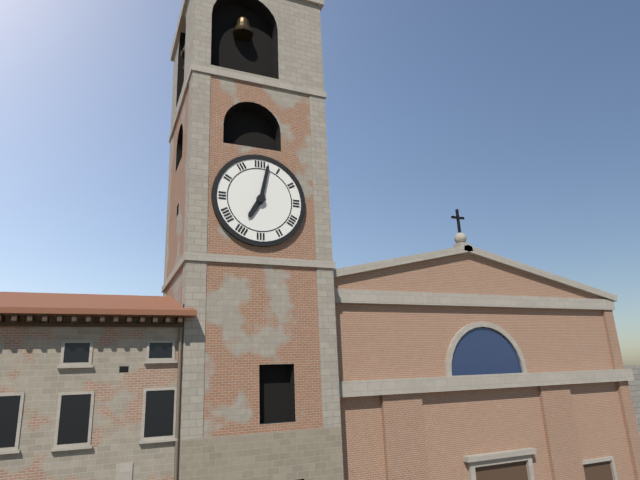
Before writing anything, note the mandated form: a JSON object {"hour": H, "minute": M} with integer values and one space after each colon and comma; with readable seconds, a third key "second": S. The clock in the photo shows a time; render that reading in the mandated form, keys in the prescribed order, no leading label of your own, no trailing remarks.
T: {"hour": 7, "minute": 2}
